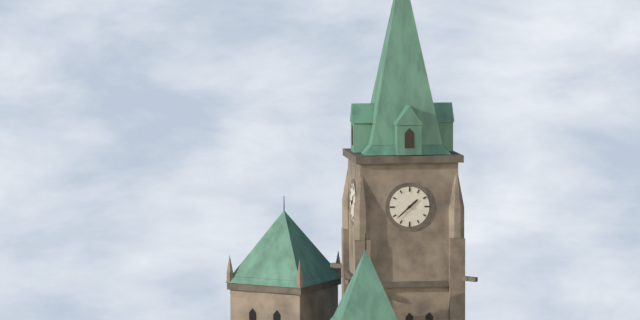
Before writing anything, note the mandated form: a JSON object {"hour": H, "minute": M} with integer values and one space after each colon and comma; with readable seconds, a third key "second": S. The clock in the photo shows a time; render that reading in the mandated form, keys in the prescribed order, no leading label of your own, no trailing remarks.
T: {"hour": 1, "minute": 38}
